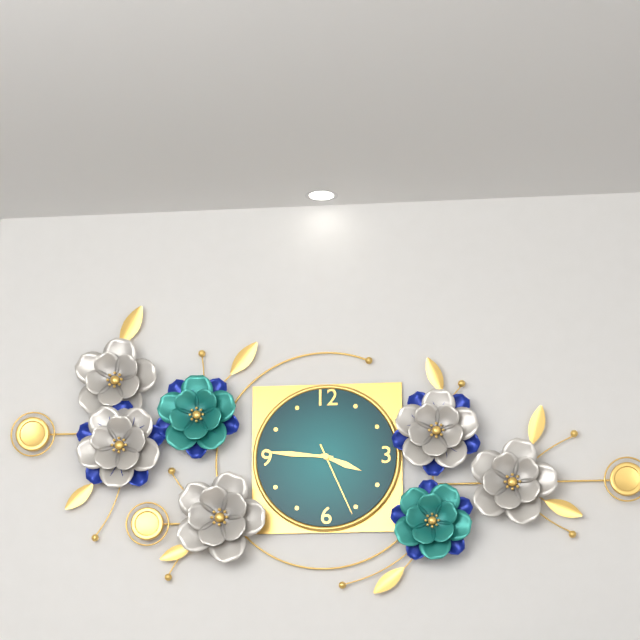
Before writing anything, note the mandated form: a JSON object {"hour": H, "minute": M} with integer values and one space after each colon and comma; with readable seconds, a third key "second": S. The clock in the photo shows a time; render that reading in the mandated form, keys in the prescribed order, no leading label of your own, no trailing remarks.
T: {"hour": 3, "minute": 46, "second": 26}
